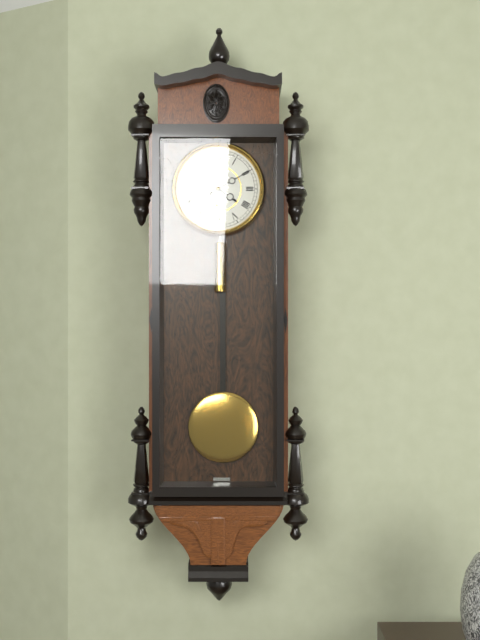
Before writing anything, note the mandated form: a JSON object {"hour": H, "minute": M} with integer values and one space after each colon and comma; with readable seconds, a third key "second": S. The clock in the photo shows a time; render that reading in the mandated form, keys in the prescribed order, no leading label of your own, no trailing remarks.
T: {"hour": 4, "minute": 10}
